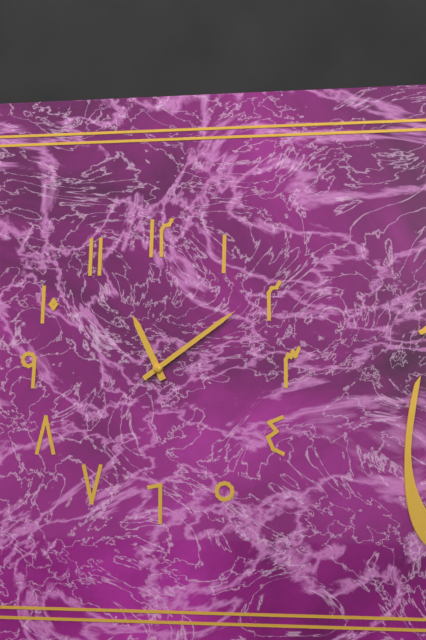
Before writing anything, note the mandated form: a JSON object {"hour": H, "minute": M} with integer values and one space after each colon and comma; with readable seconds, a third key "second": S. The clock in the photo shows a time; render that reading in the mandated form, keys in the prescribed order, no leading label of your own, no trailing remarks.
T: {"hour": 11, "minute": 9}
